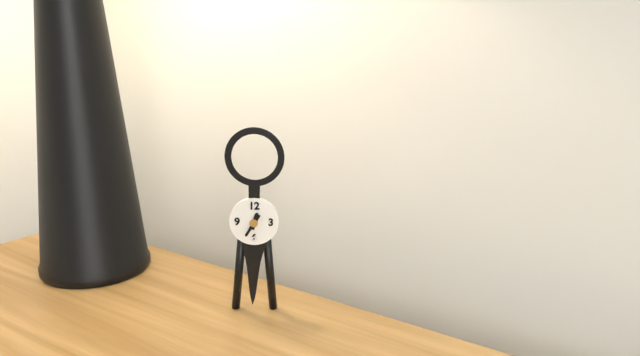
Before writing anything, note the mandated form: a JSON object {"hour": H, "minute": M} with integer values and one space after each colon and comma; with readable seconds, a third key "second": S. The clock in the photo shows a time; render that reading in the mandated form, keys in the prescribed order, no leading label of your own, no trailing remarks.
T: {"hour": 12, "minute": 35}
